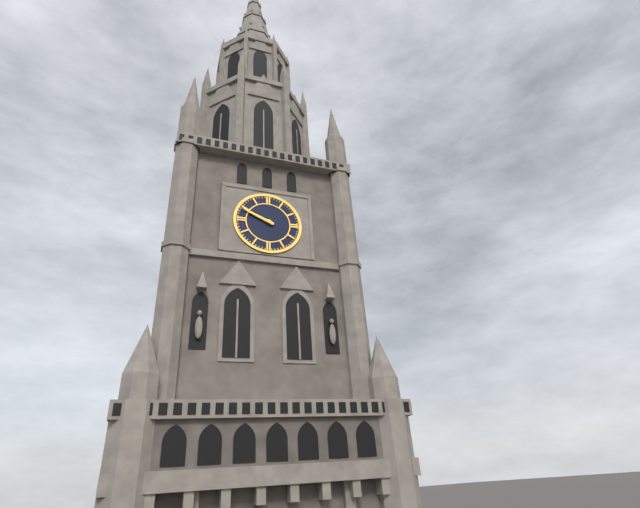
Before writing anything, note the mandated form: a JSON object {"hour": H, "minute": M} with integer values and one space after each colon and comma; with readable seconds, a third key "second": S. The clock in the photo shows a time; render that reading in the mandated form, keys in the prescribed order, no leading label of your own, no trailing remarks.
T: {"hour": 9, "minute": 49}
